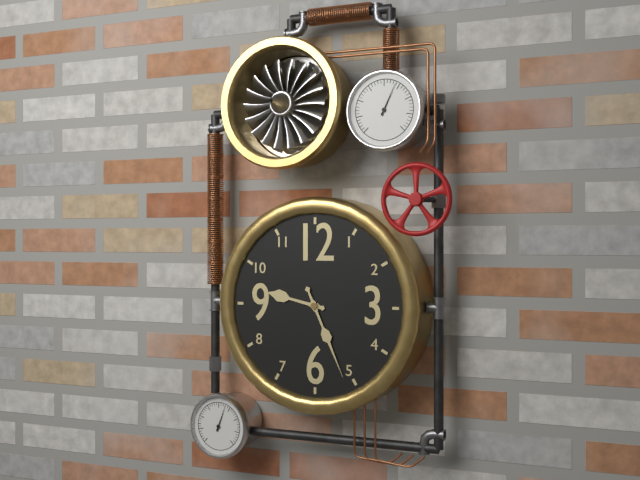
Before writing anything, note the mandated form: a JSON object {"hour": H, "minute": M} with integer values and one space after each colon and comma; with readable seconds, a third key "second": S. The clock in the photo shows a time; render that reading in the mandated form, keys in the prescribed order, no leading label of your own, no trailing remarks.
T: {"hour": 9, "minute": 26}
